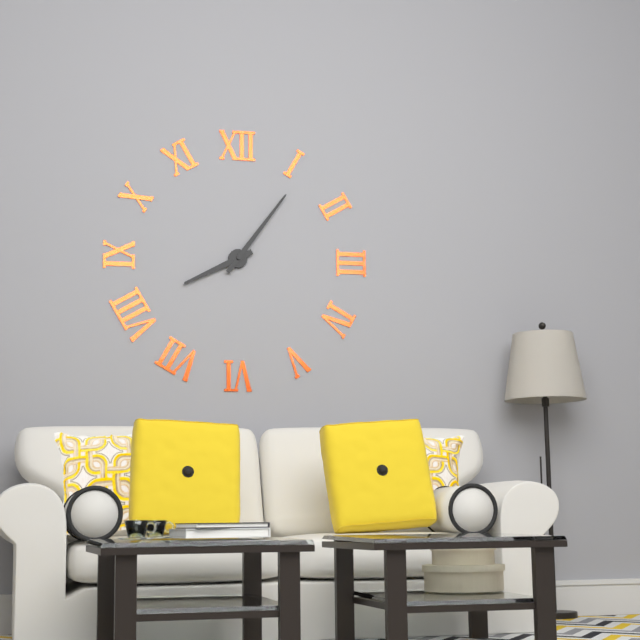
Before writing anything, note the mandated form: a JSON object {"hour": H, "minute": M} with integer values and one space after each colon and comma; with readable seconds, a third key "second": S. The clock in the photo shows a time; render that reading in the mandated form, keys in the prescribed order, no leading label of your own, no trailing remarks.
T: {"hour": 8, "minute": 6}
